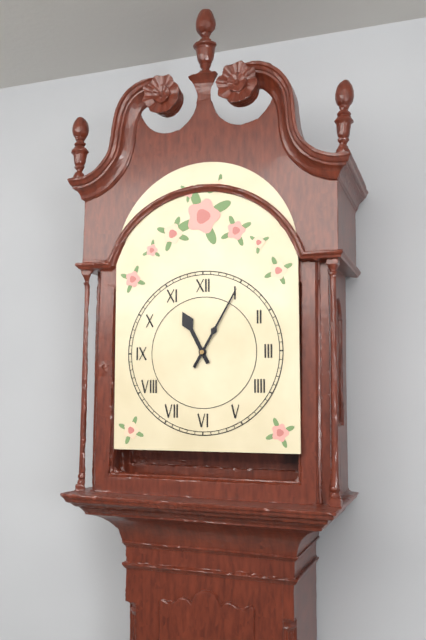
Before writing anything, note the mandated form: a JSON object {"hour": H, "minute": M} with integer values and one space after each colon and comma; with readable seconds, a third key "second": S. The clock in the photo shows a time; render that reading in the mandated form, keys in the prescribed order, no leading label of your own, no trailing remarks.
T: {"hour": 11, "minute": 5}
